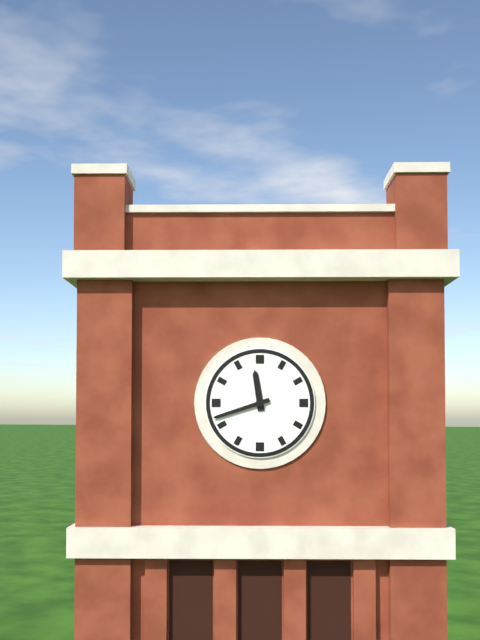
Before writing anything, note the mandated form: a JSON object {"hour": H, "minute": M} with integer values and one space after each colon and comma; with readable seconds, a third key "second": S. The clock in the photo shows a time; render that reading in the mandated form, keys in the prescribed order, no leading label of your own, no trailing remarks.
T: {"hour": 11, "minute": 42}
